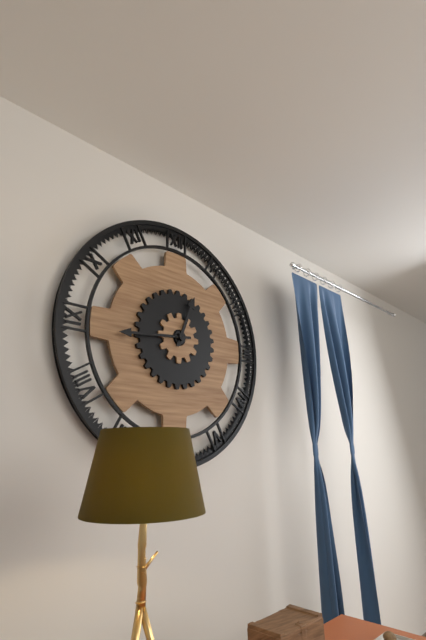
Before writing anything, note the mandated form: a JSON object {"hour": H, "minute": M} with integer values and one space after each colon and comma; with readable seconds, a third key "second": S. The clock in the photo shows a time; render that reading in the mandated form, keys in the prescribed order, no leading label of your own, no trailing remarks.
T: {"hour": 12, "minute": 44}
